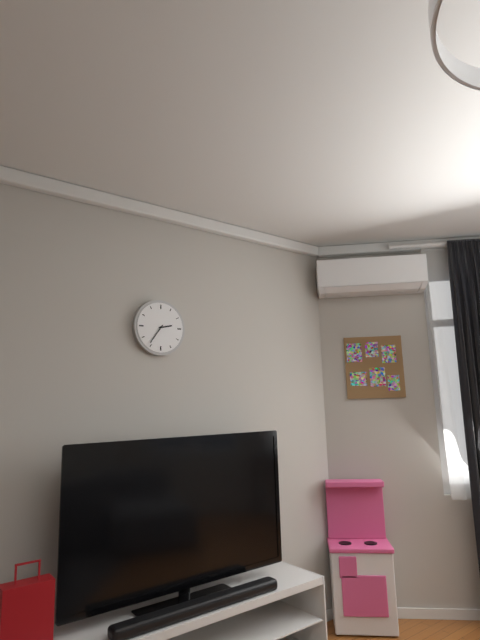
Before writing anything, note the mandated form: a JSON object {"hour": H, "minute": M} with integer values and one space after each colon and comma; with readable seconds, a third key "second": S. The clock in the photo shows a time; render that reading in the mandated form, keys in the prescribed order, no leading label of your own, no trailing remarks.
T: {"hour": 2, "minute": 36}
